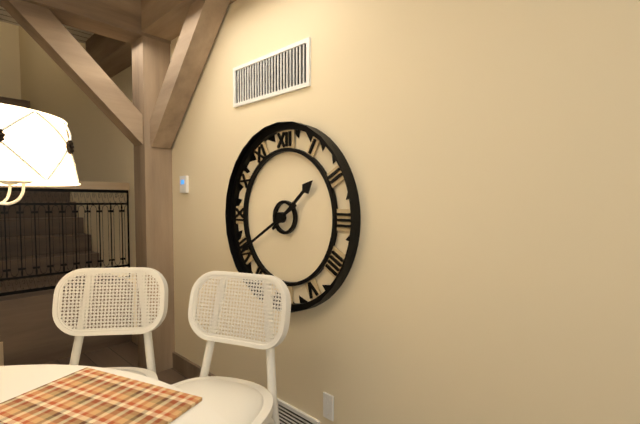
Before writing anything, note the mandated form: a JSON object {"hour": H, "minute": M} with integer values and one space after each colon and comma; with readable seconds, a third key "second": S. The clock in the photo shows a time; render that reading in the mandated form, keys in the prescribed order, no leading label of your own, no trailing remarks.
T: {"hour": 1, "minute": 40}
